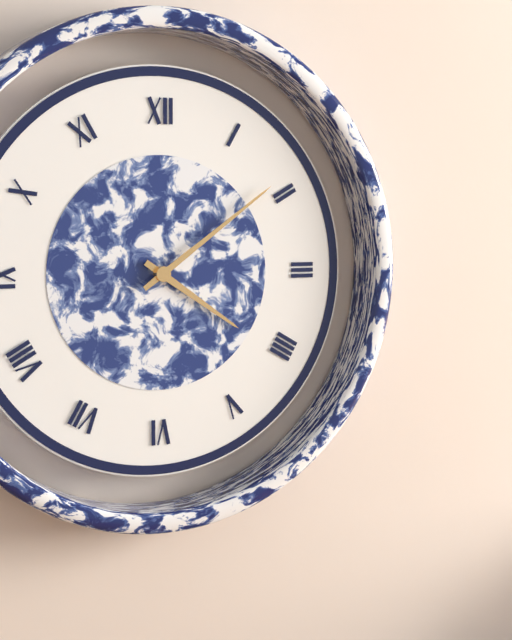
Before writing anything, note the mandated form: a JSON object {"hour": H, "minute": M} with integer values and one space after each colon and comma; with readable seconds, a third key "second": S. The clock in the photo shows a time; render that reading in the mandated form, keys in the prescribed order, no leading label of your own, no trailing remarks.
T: {"hour": 4, "minute": 9}
